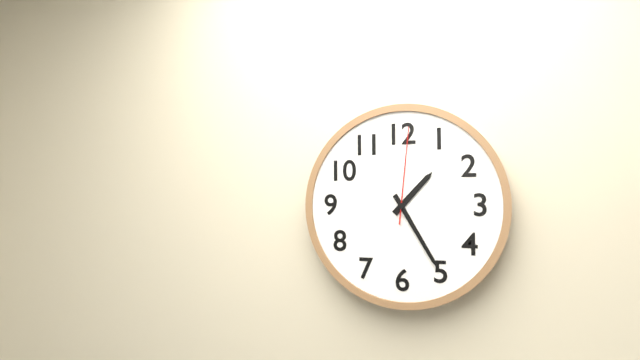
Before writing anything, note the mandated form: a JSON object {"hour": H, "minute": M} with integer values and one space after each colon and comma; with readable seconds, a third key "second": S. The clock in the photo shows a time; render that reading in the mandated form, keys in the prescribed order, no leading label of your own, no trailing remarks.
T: {"hour": 1, "minute": 25, "second": 1}
